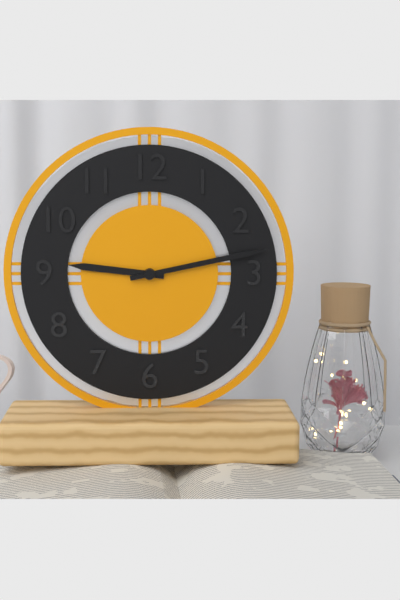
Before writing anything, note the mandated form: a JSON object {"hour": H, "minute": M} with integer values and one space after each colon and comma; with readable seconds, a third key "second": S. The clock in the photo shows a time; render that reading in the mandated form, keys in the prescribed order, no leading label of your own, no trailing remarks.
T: {"hour": 9, "minute": 13}
